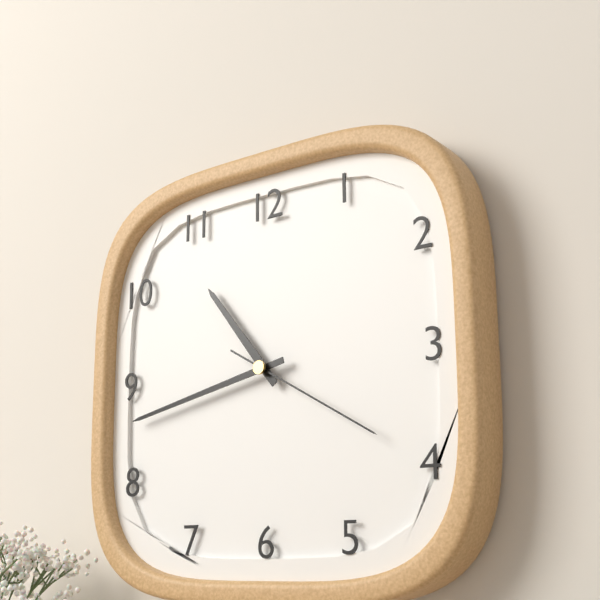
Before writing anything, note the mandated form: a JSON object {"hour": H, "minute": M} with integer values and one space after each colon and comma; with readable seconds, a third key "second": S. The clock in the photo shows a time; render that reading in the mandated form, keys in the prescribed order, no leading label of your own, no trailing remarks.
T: {"hour": 10, "minute": 43, "second": 20}
